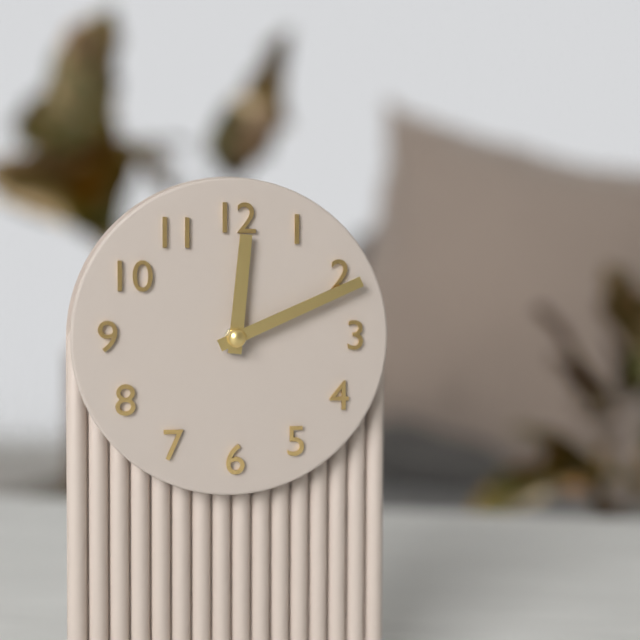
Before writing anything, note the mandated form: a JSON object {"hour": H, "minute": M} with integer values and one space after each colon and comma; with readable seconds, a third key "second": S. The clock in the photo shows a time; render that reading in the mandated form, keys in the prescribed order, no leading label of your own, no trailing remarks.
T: {"hour": 12, "minute": 11}
